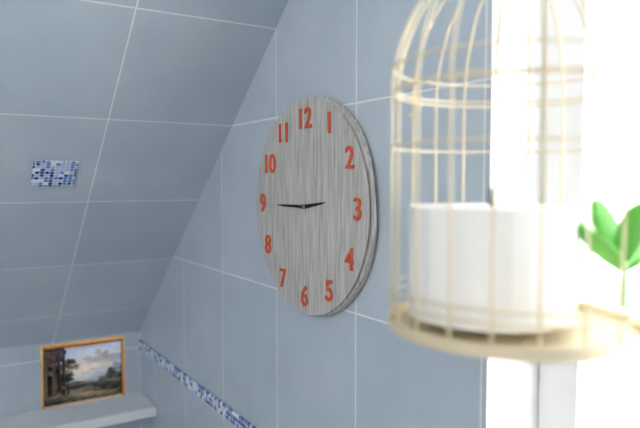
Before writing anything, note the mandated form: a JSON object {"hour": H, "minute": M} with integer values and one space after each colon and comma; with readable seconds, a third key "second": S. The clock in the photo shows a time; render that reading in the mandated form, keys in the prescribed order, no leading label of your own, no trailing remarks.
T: {"hour": 2, "minute": 45}
